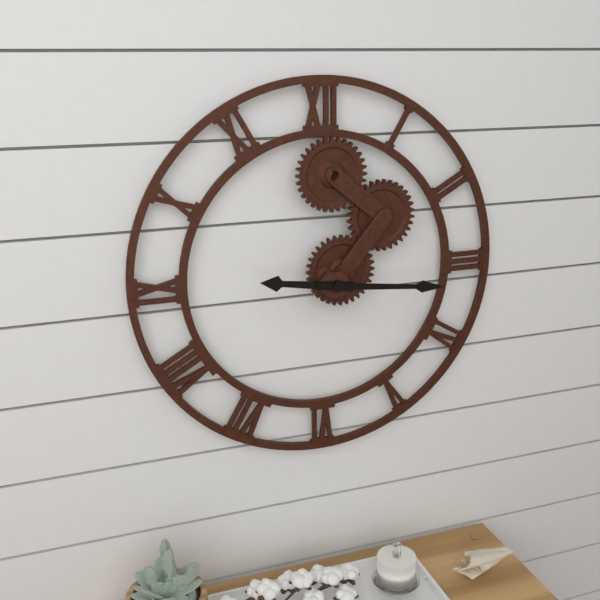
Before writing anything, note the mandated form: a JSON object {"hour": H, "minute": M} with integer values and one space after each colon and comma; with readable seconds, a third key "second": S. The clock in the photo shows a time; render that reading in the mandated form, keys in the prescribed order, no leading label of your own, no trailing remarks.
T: {"hour": 9, "minute": 16}
